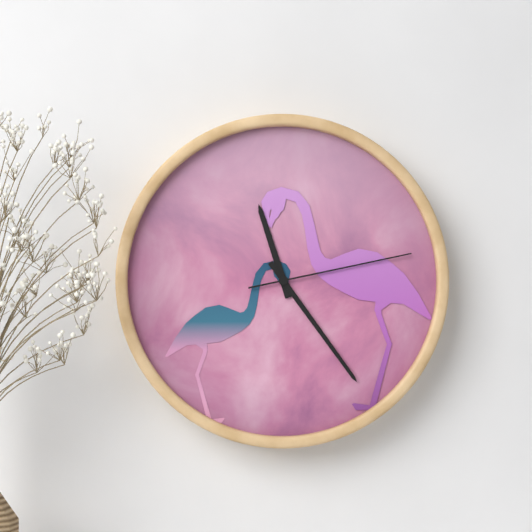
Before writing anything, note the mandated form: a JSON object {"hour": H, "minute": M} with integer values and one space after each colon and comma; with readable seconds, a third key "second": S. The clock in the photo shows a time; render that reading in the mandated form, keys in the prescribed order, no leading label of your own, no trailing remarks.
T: {"hour": 11, "minute": 24, "second": 13}
